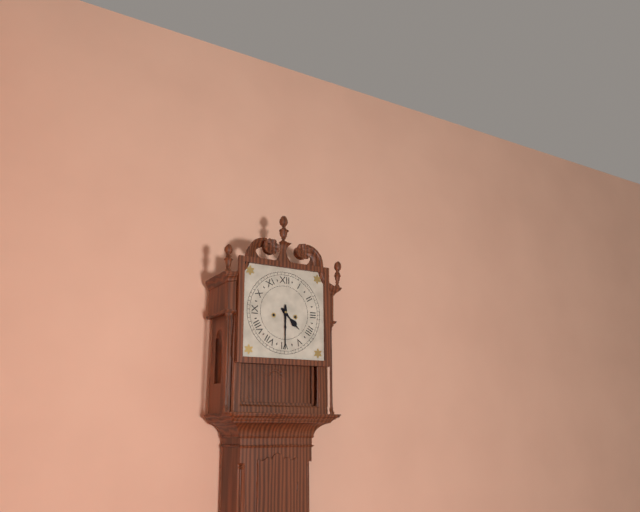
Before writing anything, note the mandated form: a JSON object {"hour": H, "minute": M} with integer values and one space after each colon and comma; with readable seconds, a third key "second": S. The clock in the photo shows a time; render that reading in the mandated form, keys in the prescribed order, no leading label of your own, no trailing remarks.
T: {"hour": 4, "minute": 30}
